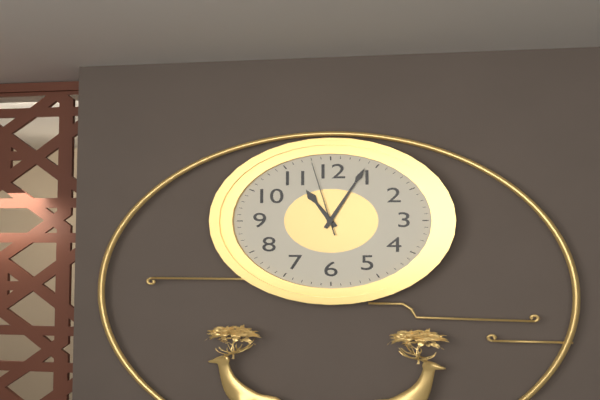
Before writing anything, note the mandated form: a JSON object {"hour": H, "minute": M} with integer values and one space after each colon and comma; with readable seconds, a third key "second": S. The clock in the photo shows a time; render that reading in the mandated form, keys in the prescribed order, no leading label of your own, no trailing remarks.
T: {"hour": 11, "minute": 4, "second": 58}
